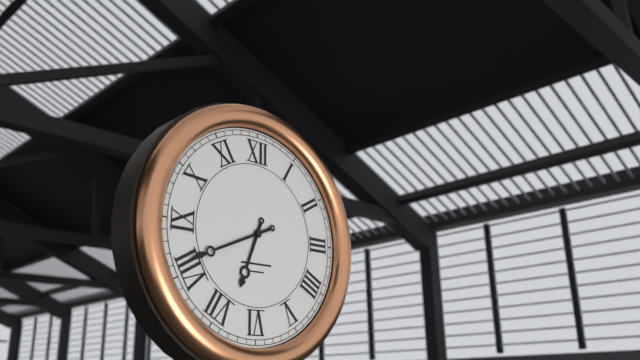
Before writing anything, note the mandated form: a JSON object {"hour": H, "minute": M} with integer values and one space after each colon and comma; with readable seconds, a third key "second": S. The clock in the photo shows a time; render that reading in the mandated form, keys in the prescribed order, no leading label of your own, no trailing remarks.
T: {"hour": 6, "minute": 41}
